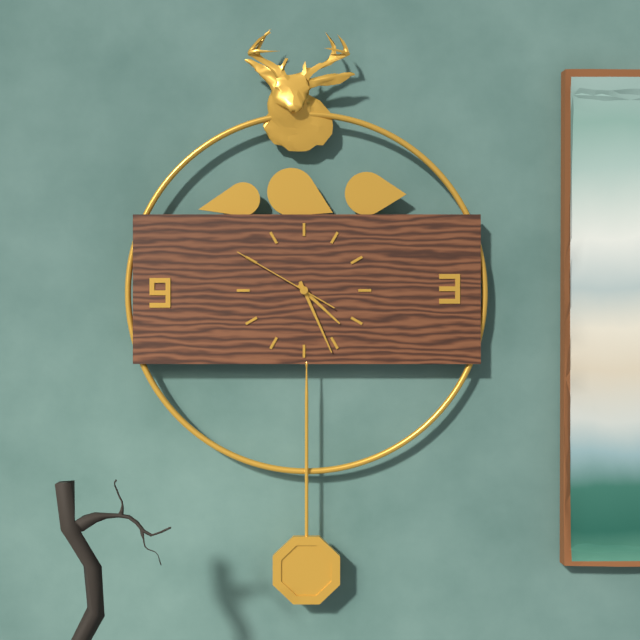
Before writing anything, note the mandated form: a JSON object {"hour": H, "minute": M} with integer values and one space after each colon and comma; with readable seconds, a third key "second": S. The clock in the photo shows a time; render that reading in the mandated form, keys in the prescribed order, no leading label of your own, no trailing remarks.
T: {"hour": 4, "minute": 26, "second": 50}
